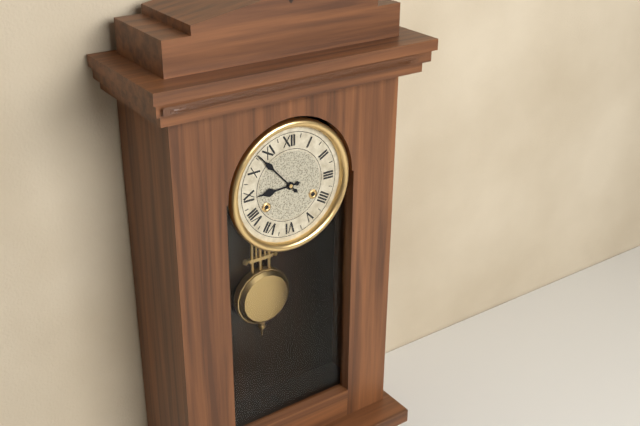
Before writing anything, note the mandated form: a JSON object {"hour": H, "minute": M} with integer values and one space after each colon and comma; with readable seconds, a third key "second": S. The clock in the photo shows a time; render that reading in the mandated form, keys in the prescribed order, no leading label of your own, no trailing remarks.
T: {"hour": 8, "minute": 53}
